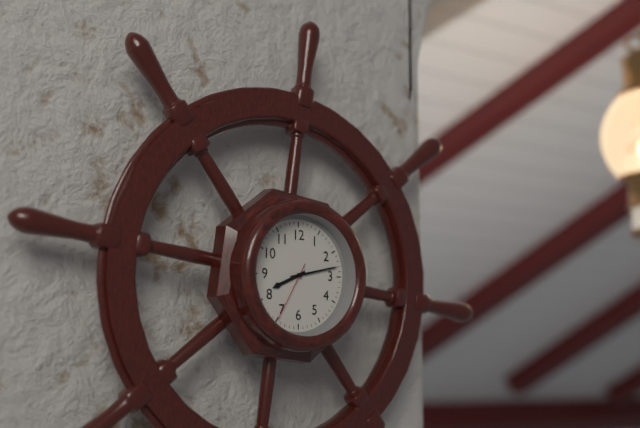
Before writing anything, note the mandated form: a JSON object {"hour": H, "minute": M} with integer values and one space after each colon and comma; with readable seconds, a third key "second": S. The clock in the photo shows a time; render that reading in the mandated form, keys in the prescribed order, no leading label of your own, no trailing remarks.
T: {"hour": 8, "minute": 13, "second": 35}
